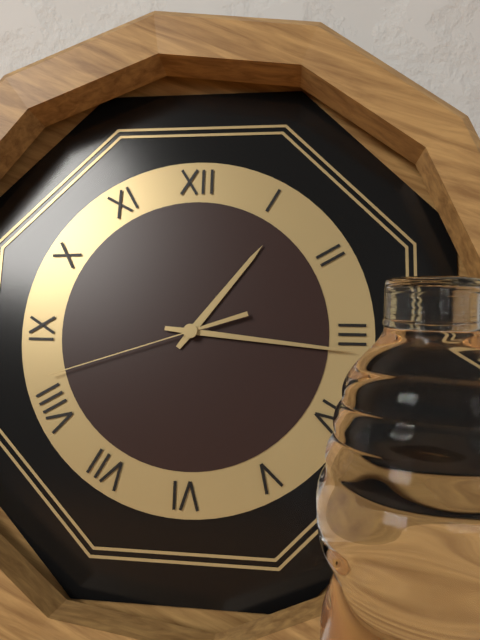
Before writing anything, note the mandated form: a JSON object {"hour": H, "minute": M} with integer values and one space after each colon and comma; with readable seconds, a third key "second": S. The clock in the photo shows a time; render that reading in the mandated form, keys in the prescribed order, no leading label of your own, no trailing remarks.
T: {"hour": 1, "minute": 16, "second": 42}
